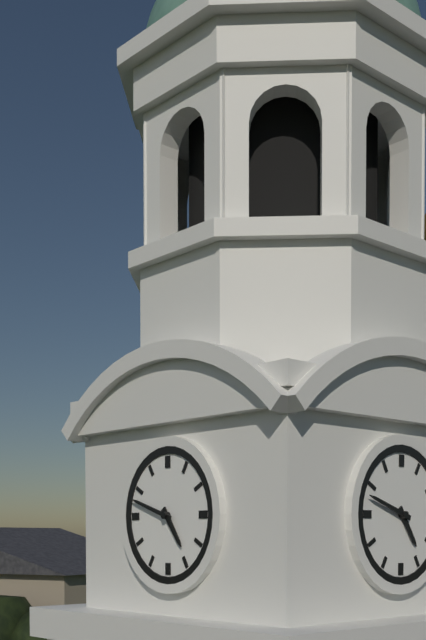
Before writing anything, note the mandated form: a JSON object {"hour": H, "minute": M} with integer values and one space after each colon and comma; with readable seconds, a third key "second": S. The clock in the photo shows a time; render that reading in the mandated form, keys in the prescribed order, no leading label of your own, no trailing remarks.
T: {"hour": 4, "minute": 48}
